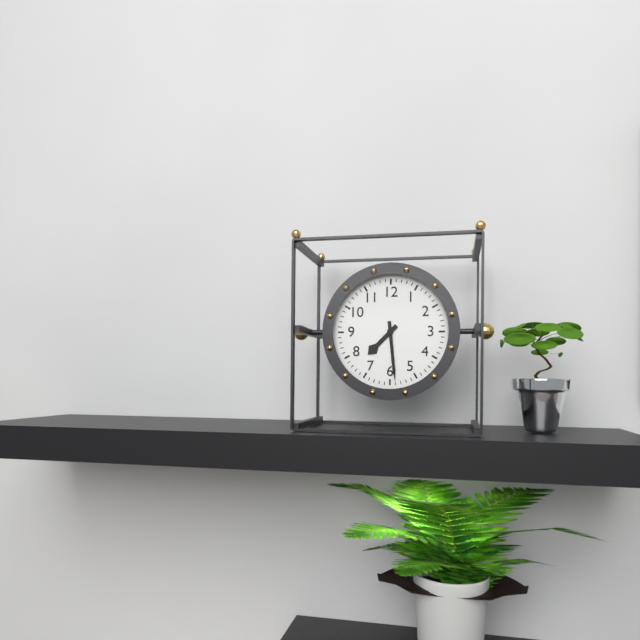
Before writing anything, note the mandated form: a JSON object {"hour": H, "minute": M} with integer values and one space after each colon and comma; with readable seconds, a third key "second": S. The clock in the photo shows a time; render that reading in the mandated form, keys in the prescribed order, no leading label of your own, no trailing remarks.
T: {"hour": 7, "minute": 29}
